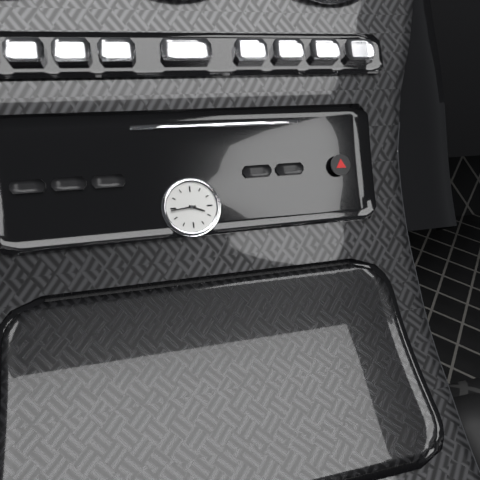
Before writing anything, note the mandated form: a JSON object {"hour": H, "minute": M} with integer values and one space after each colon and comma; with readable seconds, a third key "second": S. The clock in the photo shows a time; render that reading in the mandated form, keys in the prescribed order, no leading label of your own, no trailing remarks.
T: {"hour": 3, "minute": 44}
